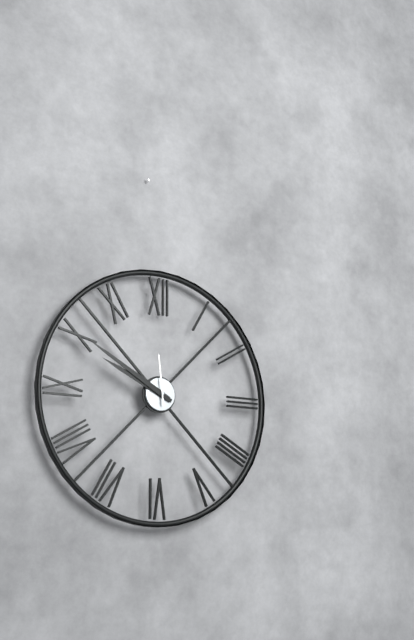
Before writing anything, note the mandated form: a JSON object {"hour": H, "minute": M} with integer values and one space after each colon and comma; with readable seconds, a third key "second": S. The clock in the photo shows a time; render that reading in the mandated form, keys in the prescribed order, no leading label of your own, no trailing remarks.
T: {"hour": 9, "minute": 50, "second": 59}
